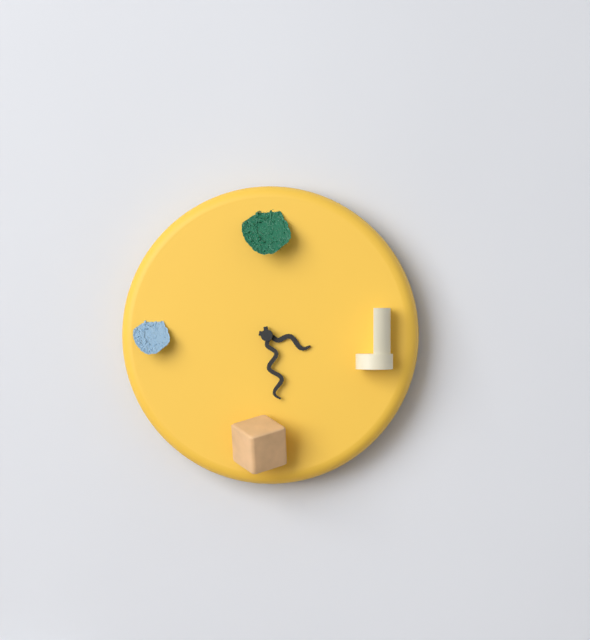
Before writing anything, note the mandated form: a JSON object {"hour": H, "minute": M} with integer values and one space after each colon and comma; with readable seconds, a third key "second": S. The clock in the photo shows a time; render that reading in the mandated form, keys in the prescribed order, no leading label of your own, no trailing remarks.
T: {"hour": 3, "minute": 28}
